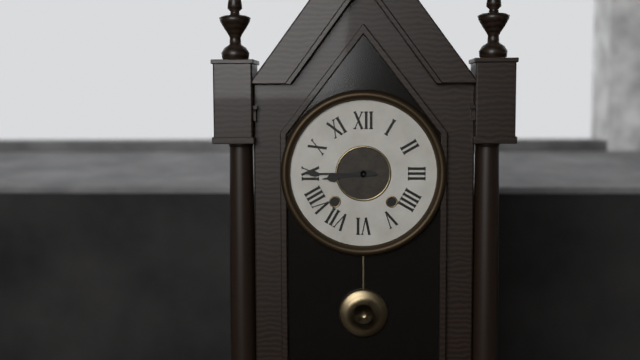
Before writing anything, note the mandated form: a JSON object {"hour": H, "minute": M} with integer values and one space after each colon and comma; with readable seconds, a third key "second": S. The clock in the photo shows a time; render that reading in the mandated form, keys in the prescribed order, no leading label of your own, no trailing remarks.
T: {"hour": 8, "minute": 45}
